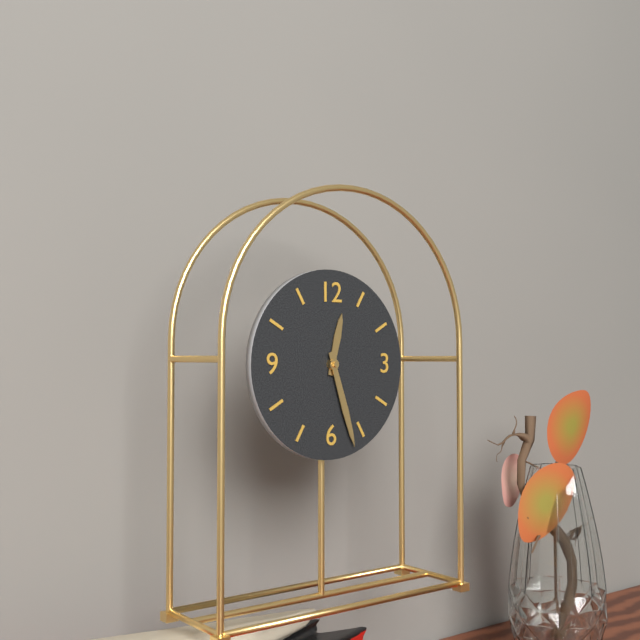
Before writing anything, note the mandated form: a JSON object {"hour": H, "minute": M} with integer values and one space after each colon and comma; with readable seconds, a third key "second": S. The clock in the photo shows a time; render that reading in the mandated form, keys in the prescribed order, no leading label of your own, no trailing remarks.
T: {"hour": 12, "minute": 27}
